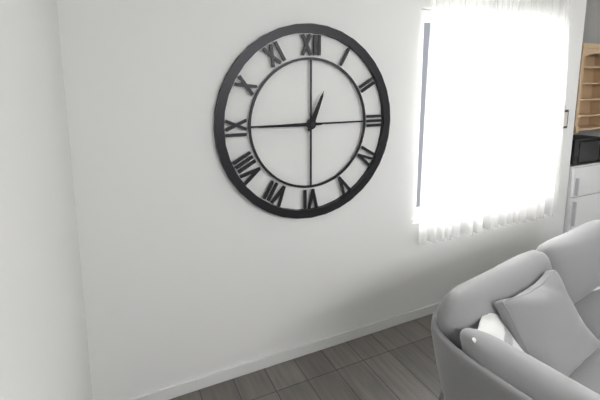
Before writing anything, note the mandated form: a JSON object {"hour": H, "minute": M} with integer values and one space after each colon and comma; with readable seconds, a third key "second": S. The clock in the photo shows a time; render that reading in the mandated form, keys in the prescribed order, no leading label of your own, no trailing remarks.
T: {"hour": 12, "minute": 45}
